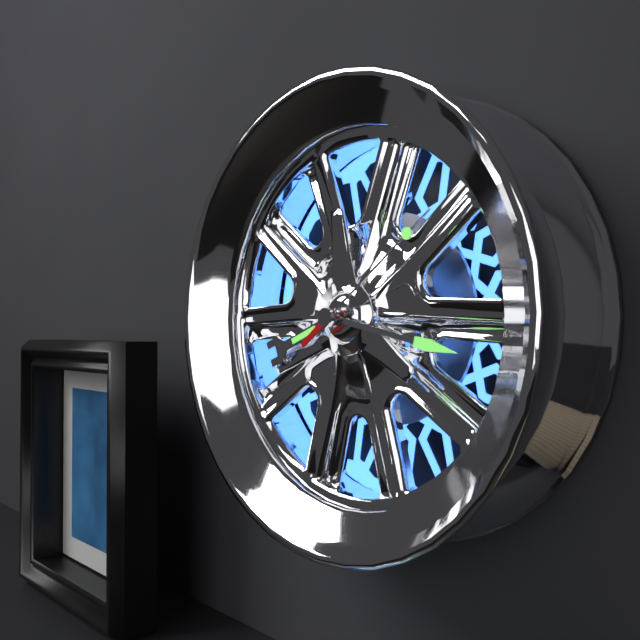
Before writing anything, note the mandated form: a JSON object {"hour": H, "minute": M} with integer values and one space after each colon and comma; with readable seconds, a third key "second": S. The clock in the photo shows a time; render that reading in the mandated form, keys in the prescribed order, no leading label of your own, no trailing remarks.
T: {"hour": 8, "minute": 17, "second": 9}
